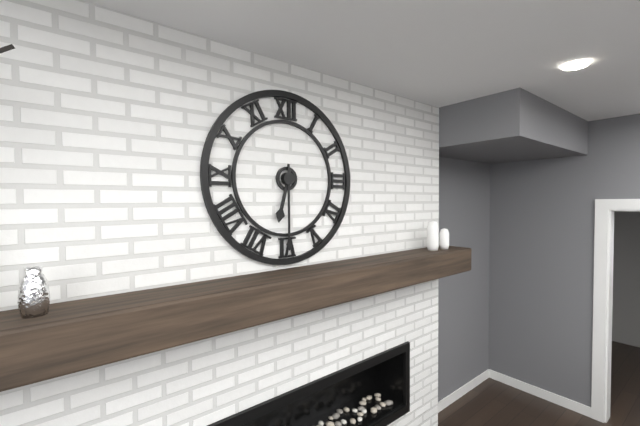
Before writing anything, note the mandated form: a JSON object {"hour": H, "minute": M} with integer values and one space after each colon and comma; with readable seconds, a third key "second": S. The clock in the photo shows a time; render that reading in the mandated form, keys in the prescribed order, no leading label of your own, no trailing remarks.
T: {"hour": 6, "minute": 30}
